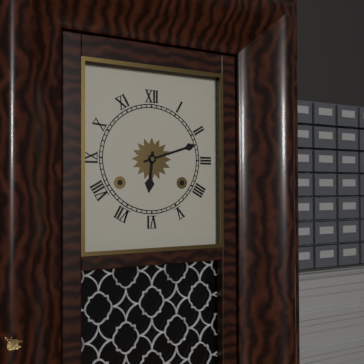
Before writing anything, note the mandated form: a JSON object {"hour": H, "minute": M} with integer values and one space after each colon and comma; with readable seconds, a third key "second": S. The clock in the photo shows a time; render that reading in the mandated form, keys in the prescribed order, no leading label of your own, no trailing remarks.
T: {"hour": 6, "minute": 12}
